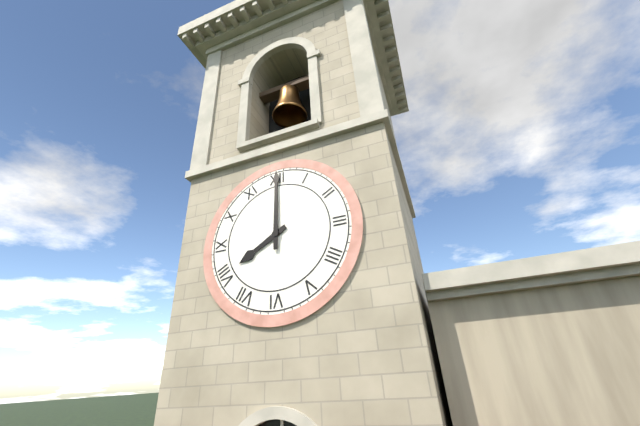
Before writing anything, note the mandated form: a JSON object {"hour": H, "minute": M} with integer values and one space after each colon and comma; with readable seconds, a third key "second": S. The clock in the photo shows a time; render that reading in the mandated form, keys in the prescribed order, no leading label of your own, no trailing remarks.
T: {"hour": 8, "minute": 0}
